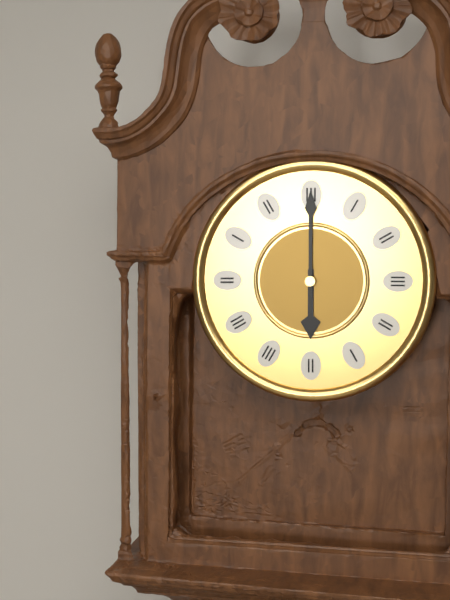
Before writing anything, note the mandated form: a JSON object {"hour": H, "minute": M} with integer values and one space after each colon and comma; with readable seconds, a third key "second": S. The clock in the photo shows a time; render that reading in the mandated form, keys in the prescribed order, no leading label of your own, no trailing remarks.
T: {"hour": 6, "minute": 0}
